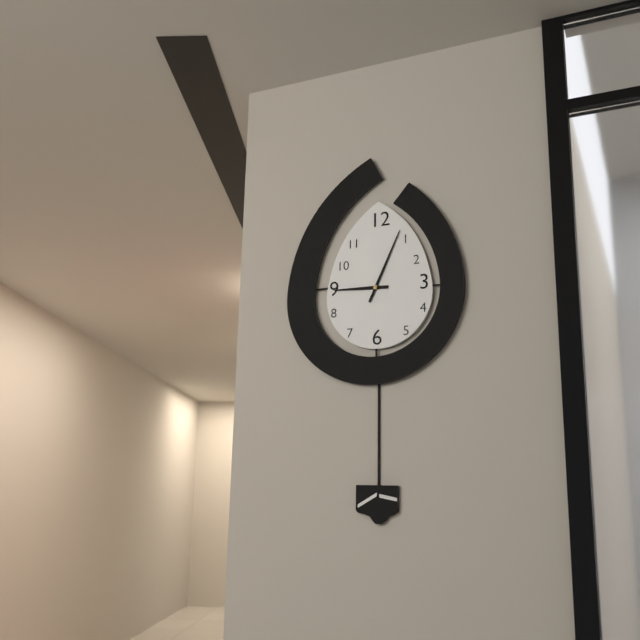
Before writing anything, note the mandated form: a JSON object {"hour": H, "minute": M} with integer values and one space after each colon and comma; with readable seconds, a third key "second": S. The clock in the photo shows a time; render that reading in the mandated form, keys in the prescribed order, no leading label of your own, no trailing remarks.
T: {"hour": 9, "minute": 4}
